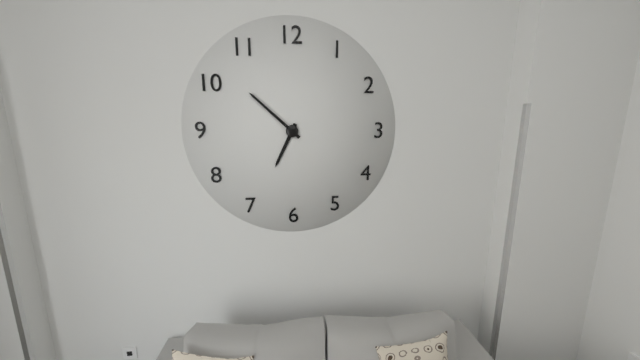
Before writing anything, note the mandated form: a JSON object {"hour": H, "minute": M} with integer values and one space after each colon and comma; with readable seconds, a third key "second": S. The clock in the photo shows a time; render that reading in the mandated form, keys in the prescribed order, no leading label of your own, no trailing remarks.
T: {"hour": 6, "minute": 52}
